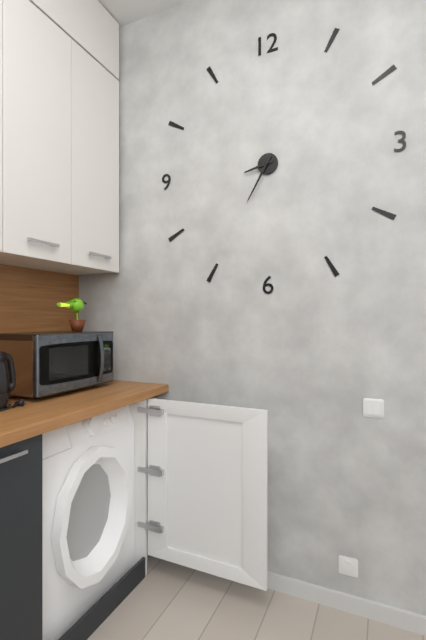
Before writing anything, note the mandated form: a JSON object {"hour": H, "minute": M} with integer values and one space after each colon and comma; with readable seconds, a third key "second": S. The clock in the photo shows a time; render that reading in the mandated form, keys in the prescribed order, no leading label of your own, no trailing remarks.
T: {"hour": 8, "minute": 35}
